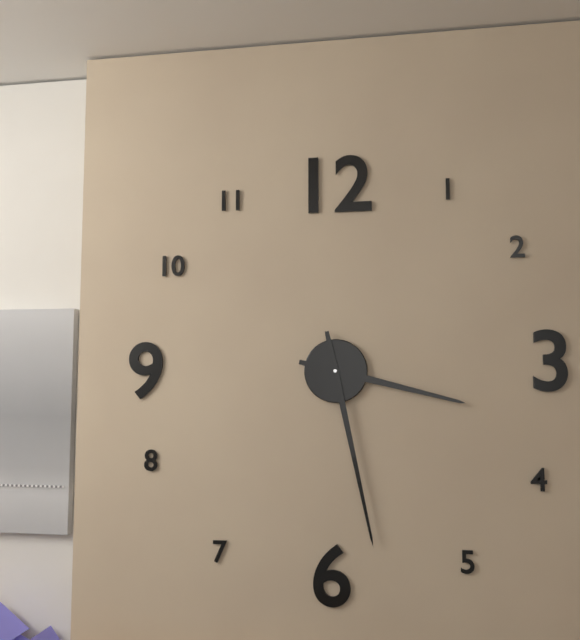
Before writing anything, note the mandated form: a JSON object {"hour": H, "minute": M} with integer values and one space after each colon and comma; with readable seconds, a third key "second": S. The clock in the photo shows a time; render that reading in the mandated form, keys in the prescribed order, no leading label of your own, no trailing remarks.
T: {"hour": 3, "minute": 28}
